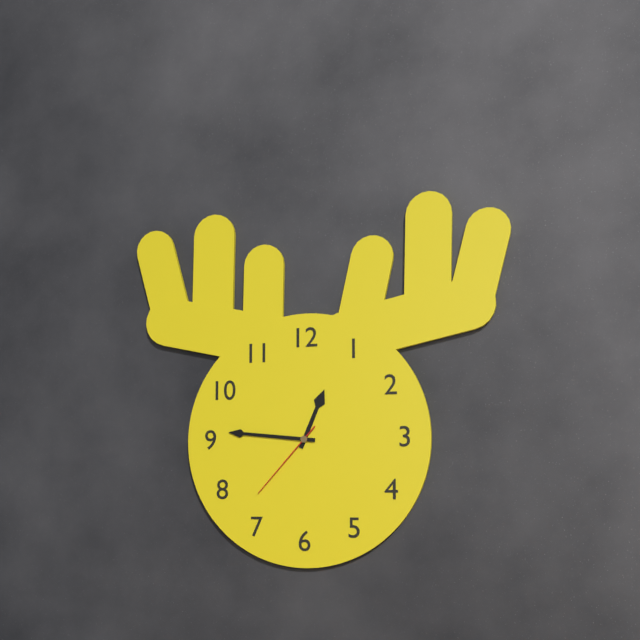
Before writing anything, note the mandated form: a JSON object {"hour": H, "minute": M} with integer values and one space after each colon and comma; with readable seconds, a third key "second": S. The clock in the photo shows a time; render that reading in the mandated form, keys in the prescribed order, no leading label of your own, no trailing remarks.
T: {"hour": 12, "minute": 46, "second": 37}
